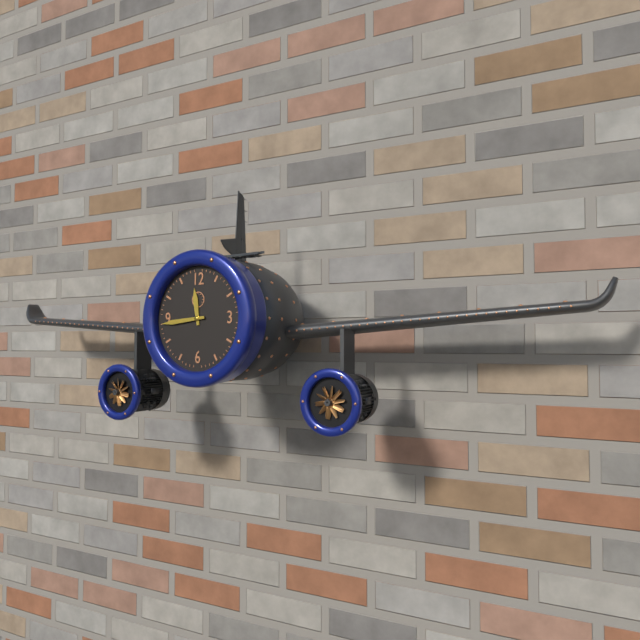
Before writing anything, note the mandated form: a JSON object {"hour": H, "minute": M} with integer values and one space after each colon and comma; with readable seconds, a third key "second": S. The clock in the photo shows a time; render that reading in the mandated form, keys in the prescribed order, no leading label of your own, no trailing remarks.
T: {"hour": 11, "minute": 44}
